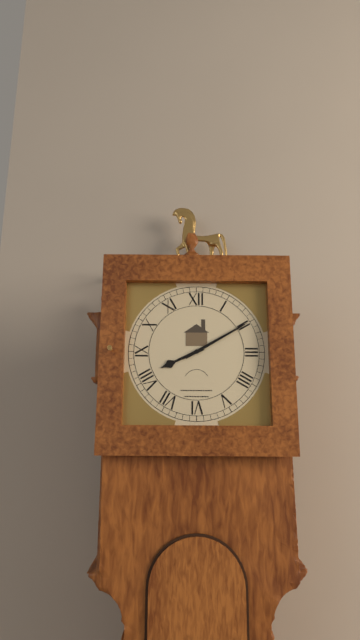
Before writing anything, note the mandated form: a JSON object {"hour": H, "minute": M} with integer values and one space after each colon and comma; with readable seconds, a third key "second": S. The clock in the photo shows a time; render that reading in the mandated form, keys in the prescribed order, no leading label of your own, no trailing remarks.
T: {"hour": 8, "minute": 10}
